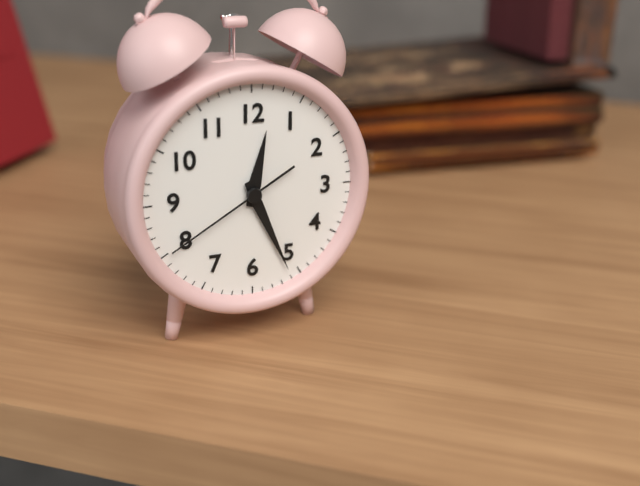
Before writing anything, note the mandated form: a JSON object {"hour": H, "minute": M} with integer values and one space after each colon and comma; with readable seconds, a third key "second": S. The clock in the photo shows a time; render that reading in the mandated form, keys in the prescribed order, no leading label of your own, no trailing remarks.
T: {"hour": 12, "minute": 26, "second": 40}
